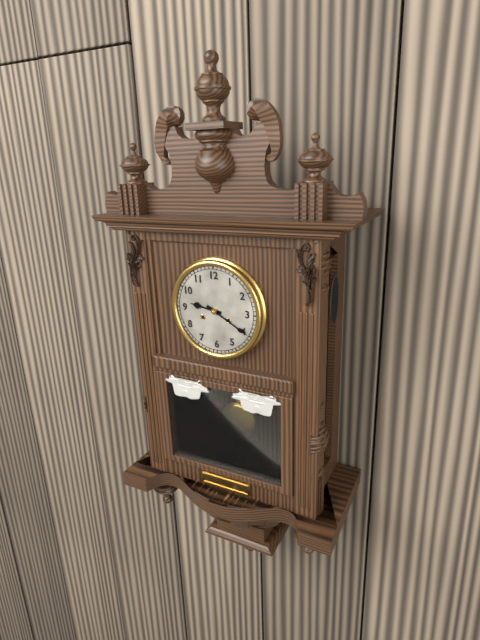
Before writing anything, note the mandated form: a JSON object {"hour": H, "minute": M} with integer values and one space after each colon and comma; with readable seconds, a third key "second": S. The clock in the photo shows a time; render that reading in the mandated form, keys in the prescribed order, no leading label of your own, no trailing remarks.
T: {"hour": 9, "minute": 20}
